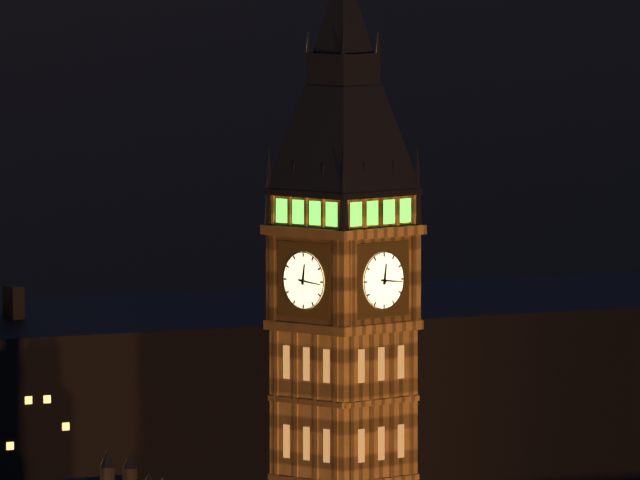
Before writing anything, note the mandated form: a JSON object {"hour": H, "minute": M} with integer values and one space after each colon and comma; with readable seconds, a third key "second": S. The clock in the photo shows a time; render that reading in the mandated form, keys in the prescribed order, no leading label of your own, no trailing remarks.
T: {"hour": 12, "minute": 16}
